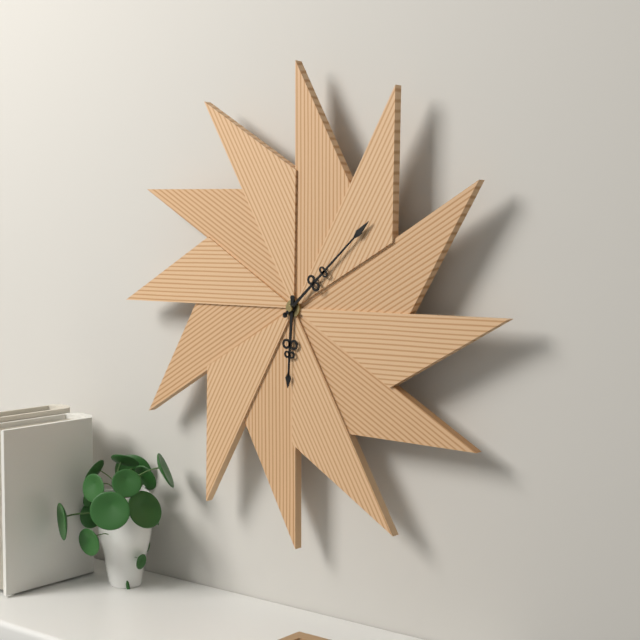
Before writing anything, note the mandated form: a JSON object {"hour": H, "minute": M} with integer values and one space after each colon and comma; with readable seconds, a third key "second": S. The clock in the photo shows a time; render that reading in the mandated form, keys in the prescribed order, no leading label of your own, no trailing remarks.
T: {"hour": 6, "minute": 8}
